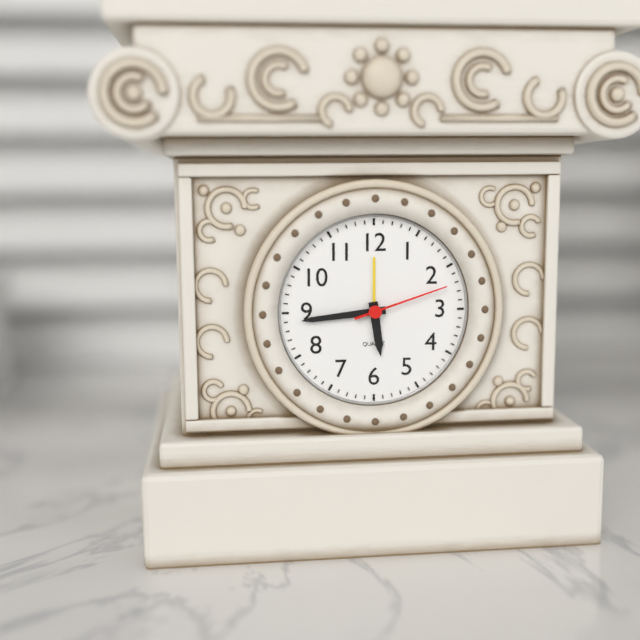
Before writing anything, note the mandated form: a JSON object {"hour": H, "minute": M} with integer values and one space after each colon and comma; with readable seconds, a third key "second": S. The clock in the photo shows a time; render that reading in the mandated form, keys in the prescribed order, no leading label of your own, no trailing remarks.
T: {"hour": 5, "minute": 44, "second": 12}
